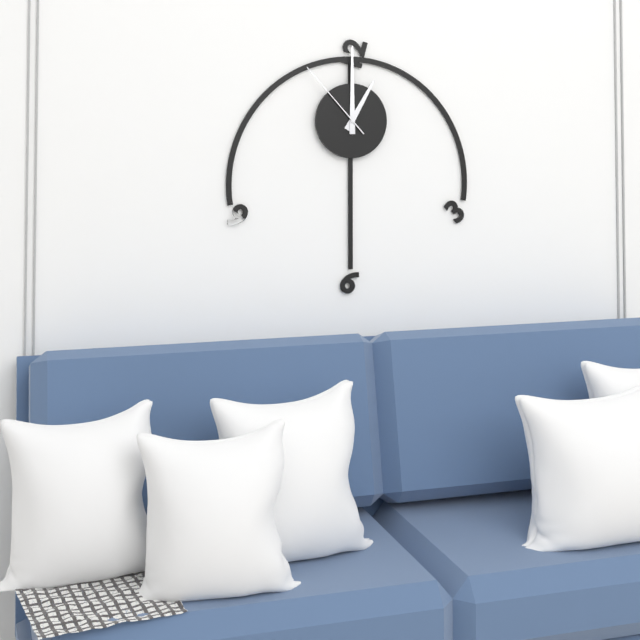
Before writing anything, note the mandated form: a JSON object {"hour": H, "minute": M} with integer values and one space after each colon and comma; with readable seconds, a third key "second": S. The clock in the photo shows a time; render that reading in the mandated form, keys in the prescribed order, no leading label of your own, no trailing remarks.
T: {"hour": 1, "minute": 0, "second": 53}
